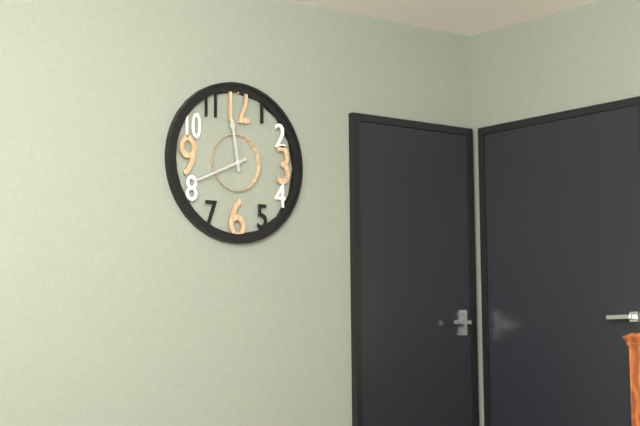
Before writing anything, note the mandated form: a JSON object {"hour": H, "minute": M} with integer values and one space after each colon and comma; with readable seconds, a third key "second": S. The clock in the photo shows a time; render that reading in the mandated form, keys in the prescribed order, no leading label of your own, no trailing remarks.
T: {"hour": 11, "minute": 41}
